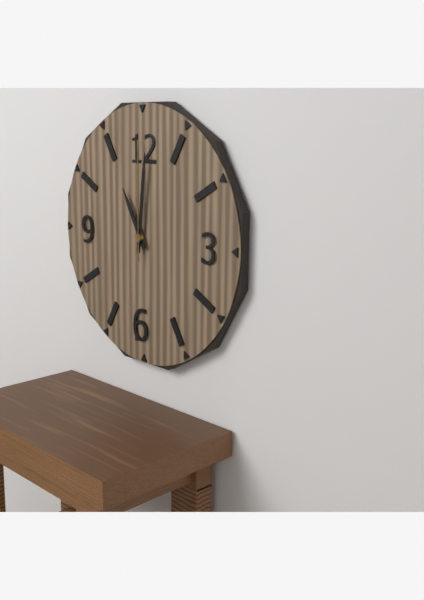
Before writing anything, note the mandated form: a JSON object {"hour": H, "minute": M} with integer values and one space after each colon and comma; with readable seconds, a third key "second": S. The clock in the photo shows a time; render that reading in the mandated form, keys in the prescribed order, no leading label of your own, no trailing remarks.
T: {"hour": 11, "minute": 1, "second": 0}
